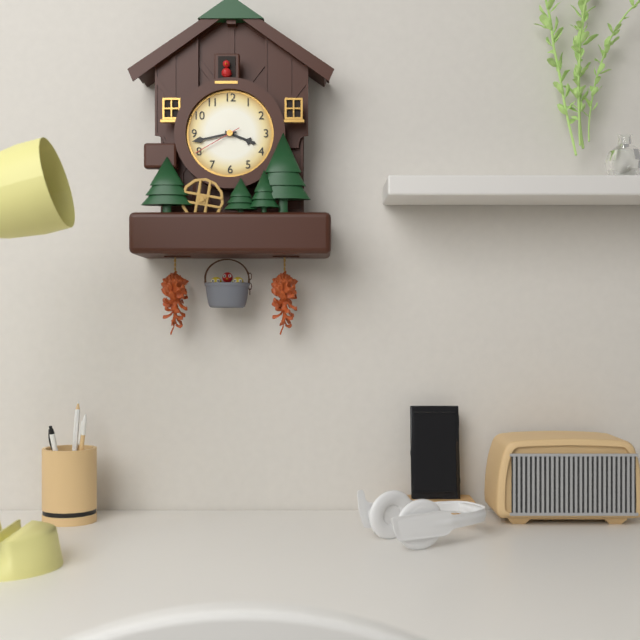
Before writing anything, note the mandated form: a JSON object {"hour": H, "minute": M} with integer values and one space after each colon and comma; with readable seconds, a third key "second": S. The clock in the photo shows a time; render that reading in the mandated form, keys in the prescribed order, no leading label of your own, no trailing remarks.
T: {"hour": 3, "minute": 43, "second": 40}
